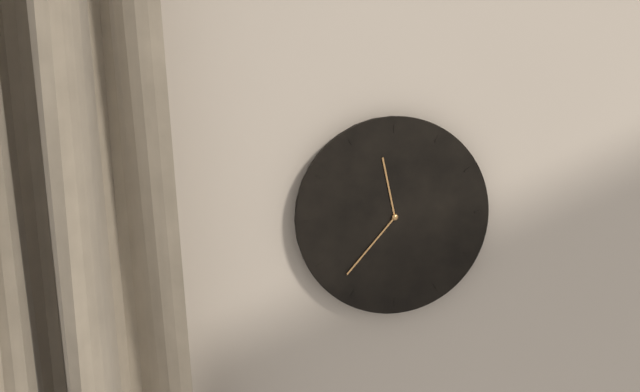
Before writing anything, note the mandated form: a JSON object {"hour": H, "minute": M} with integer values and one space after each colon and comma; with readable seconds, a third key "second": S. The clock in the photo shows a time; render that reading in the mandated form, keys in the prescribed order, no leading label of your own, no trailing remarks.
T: {"hour": 11, "minute": 37}
